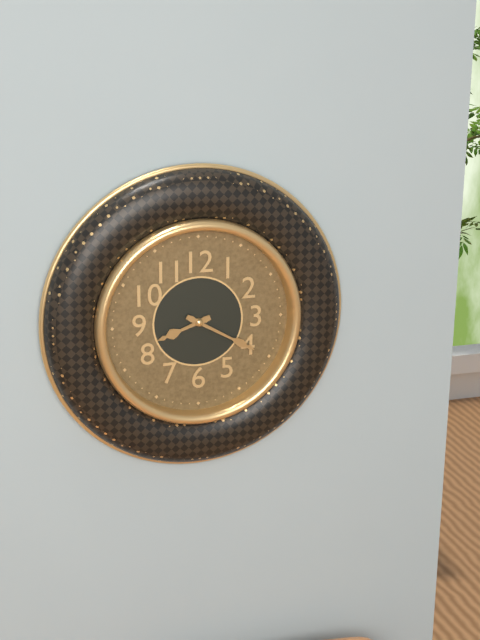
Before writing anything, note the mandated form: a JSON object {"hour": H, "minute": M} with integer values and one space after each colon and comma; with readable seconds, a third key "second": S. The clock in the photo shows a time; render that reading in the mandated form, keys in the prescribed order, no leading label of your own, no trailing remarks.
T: {"hour": 8, "minute": 20}
